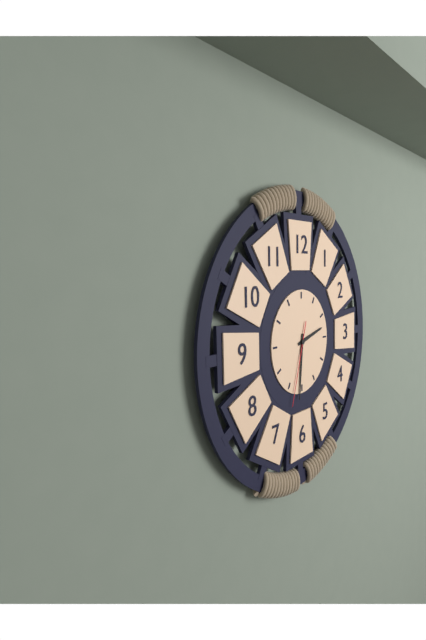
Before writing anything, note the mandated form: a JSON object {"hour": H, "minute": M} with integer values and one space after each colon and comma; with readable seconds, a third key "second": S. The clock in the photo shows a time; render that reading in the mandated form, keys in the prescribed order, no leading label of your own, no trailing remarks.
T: {"hour": 2, "minute": 31, "second": 33}
